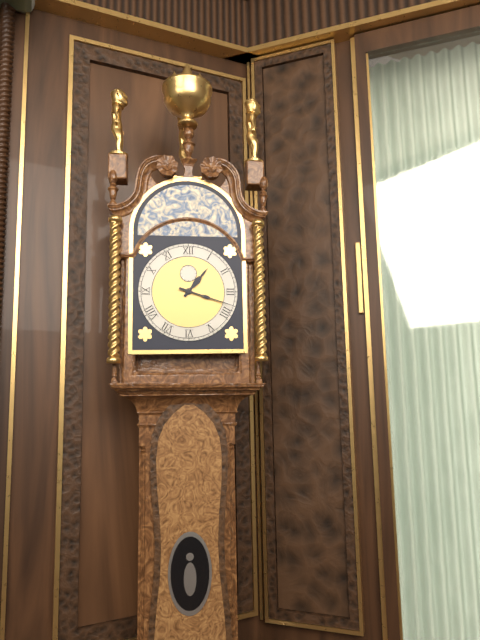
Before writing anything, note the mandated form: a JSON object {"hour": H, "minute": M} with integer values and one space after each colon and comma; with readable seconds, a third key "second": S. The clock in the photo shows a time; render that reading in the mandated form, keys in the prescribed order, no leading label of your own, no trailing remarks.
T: {"hour": 1, "minute": 18}
